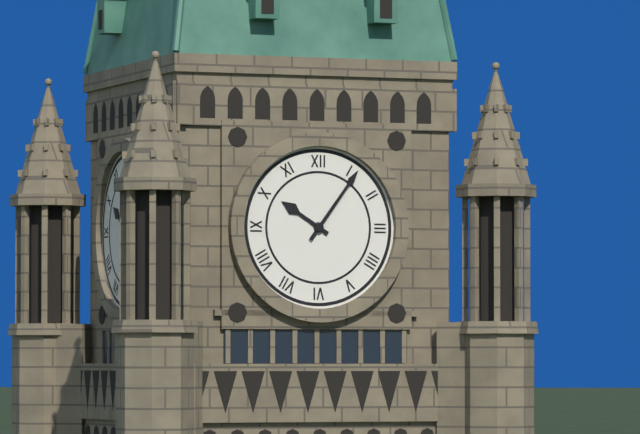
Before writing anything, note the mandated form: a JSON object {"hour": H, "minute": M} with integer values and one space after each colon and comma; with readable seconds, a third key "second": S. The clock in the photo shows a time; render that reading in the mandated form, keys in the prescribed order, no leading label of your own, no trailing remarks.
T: {"hour": 10, "minute": 6}
